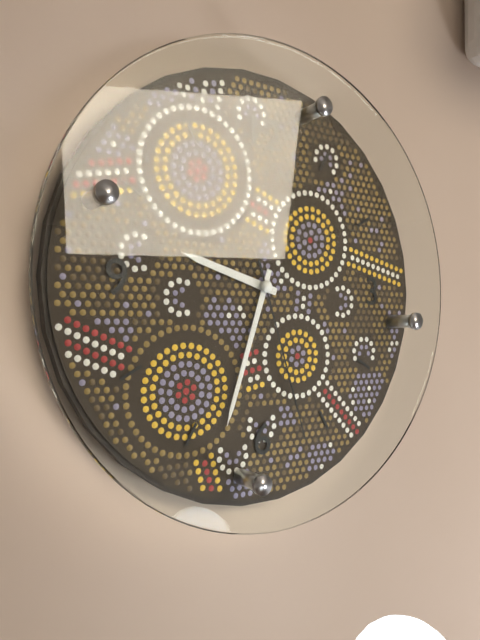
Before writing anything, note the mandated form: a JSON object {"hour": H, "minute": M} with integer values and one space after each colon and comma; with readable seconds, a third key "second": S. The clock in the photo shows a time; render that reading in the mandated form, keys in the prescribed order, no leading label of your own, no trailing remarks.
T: {"hour": 9, "minute": 33, "second": 27}
